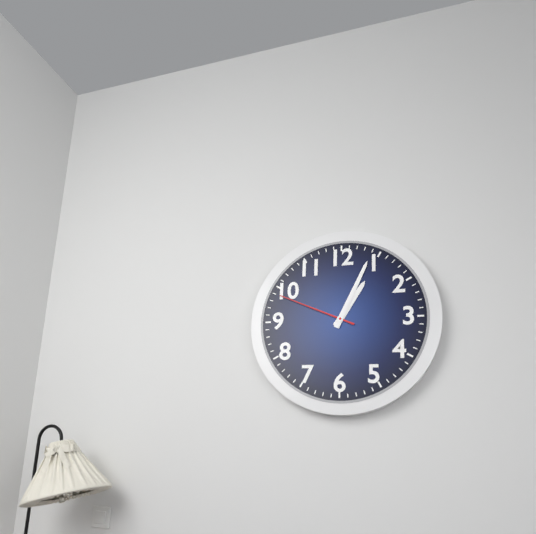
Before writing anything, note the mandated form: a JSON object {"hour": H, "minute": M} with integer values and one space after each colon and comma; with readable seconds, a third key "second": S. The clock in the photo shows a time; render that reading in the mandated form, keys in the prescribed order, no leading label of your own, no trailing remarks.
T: {"hour": 1, "minute": 4, "second": 49}
